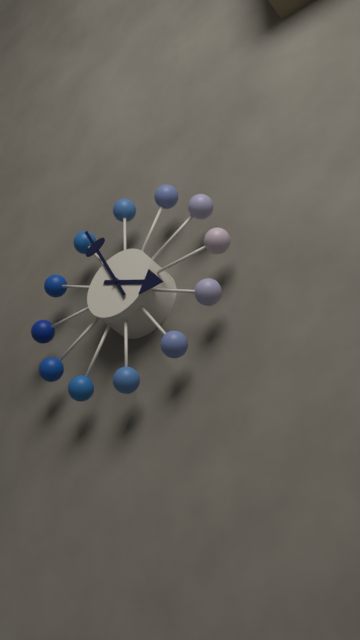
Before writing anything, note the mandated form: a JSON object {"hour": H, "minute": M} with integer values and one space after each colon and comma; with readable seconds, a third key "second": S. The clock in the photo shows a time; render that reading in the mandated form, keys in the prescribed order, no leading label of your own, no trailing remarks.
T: {"hour": 3, "minute": 56}
